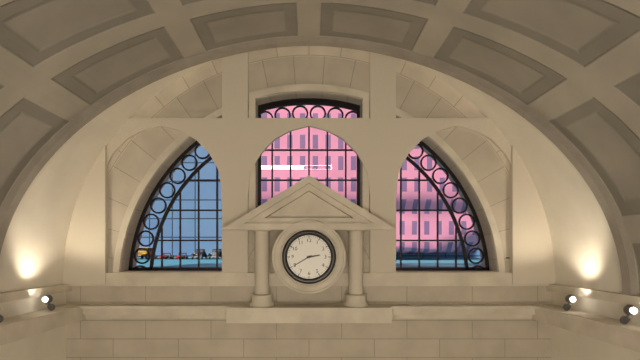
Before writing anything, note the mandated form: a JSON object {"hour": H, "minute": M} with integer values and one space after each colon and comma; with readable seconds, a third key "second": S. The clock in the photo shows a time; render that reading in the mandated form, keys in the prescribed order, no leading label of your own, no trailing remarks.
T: {"hour": 2, "minute": 40}
